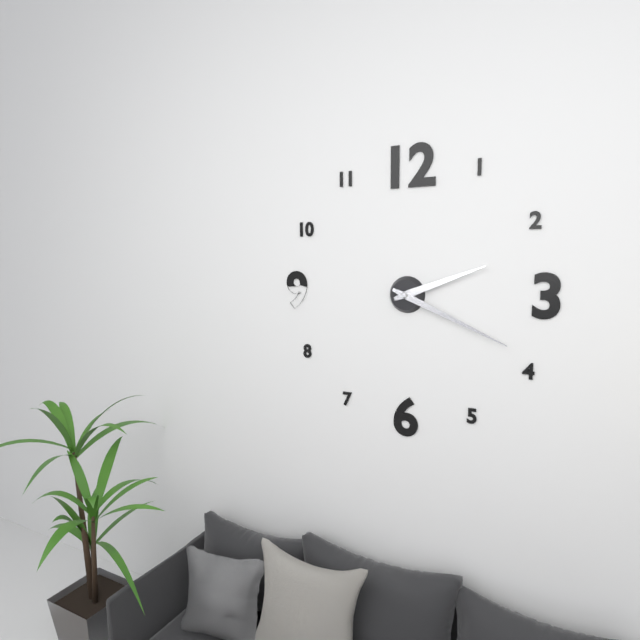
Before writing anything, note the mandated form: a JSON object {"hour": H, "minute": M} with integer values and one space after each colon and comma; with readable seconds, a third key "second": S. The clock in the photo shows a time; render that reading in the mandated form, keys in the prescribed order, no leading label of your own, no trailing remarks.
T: {"hour": 2, "minute": 19}
